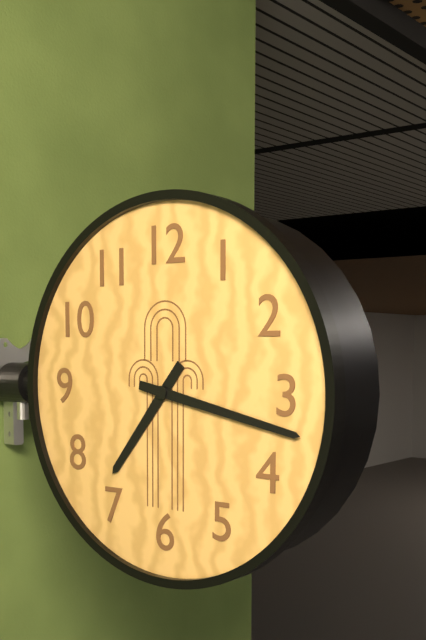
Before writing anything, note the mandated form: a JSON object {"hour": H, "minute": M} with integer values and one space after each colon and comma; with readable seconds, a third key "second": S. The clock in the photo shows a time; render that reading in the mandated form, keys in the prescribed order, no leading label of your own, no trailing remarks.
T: {"hour": 7, "minute": 17}
